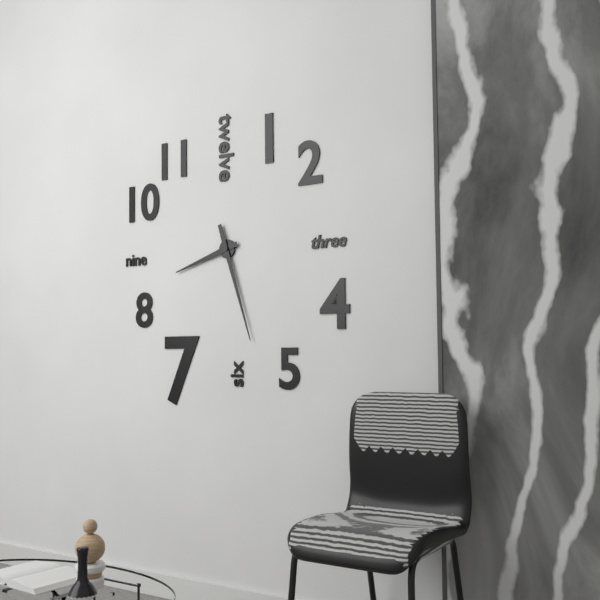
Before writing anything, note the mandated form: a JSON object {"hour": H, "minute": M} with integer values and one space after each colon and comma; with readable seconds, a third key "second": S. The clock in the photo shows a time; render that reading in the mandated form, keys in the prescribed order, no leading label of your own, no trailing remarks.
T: {"hour": 8, "minute": 27}
